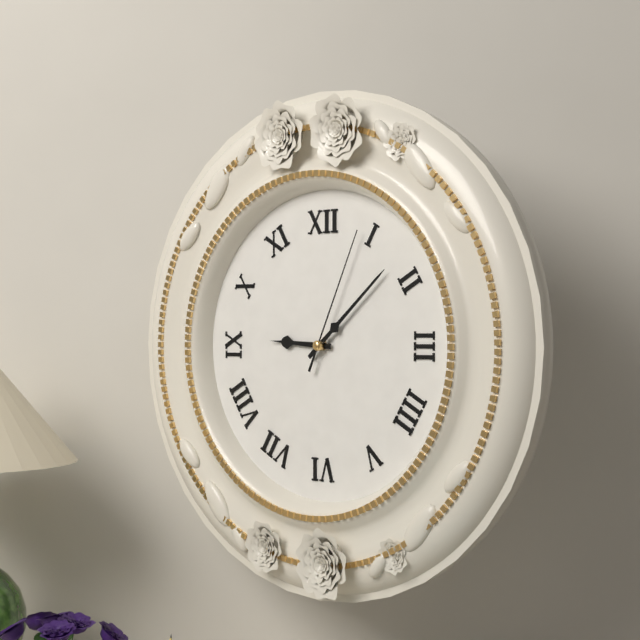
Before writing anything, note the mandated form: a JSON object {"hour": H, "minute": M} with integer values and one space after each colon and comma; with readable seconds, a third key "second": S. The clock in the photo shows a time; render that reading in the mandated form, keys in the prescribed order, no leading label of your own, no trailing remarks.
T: {"hour": 9, "minute": 8, "second": 4}
